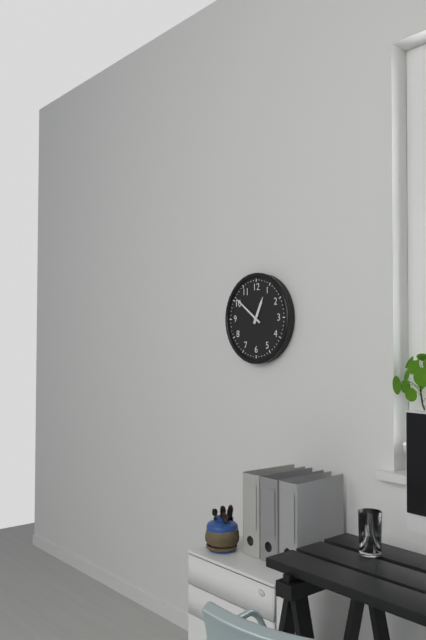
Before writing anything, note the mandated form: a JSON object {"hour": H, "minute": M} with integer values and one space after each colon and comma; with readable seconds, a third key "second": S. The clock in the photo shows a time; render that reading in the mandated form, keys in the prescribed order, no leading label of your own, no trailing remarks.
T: {"hour": 12, "minute": 51}
